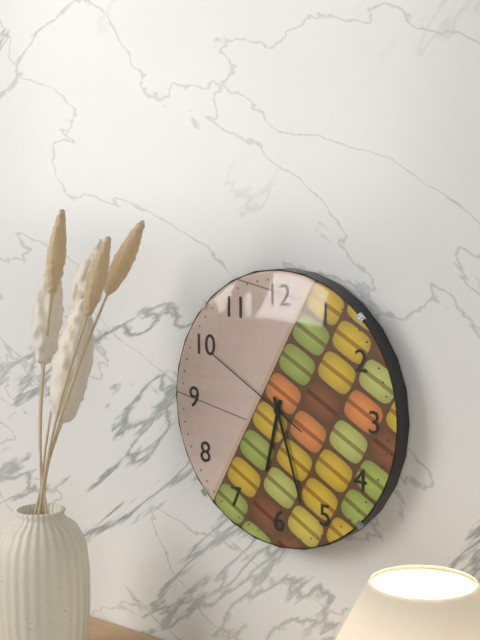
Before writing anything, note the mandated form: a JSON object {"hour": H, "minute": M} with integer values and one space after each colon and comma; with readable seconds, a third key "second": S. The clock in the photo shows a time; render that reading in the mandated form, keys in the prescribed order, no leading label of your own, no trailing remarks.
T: {"hour": 6, "minute": 27, "second": 50}
